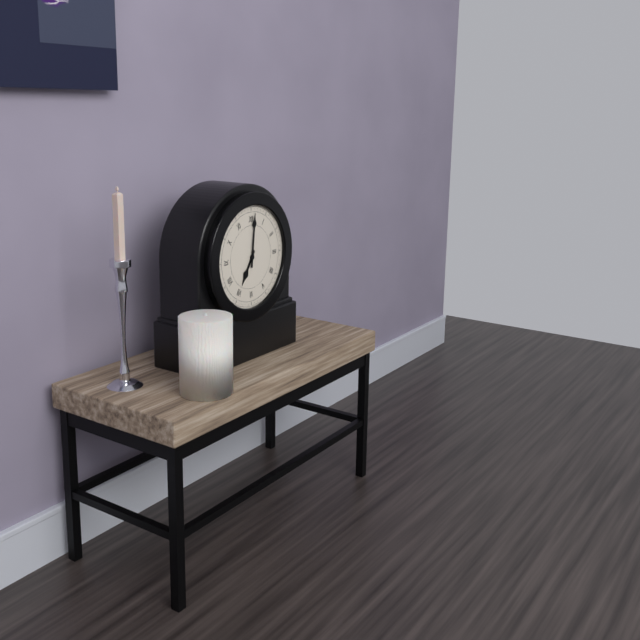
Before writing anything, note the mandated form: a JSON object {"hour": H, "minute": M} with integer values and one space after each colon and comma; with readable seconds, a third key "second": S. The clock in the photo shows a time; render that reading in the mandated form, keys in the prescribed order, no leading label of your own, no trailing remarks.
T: {"hour": 7, "minute": 1}
